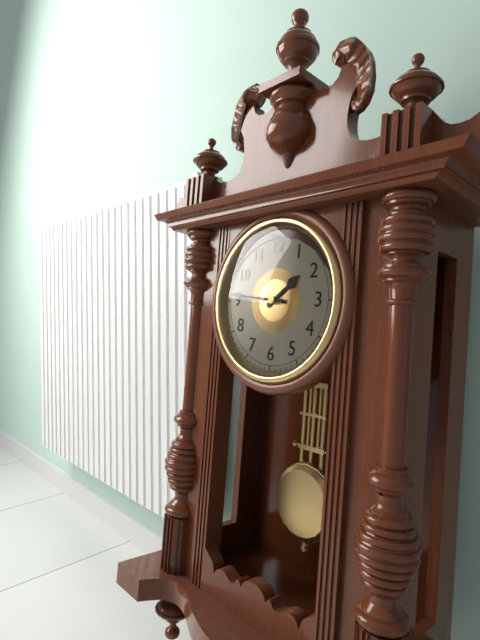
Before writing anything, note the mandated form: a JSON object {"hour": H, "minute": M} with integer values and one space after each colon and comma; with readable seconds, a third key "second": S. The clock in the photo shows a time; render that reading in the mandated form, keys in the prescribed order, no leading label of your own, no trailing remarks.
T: {"hour": 1, "minute": 46}
